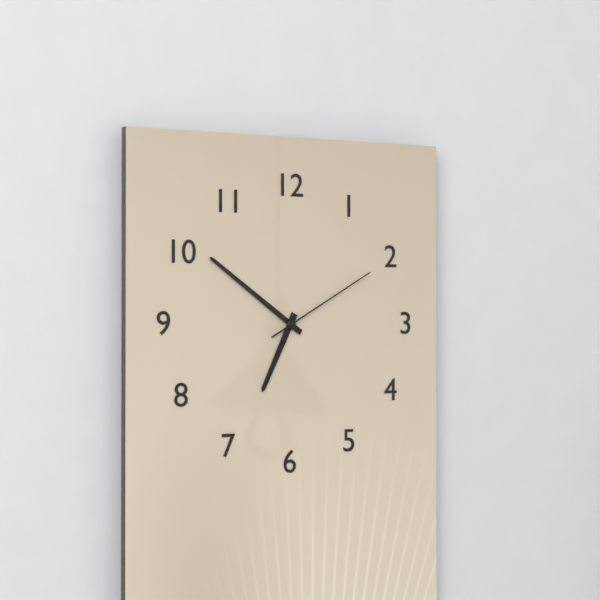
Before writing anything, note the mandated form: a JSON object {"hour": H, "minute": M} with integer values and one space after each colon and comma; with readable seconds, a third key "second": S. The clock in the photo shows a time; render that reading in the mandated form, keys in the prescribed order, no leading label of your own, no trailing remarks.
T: {"hour": 6, "minute": 51, "second": 10}
